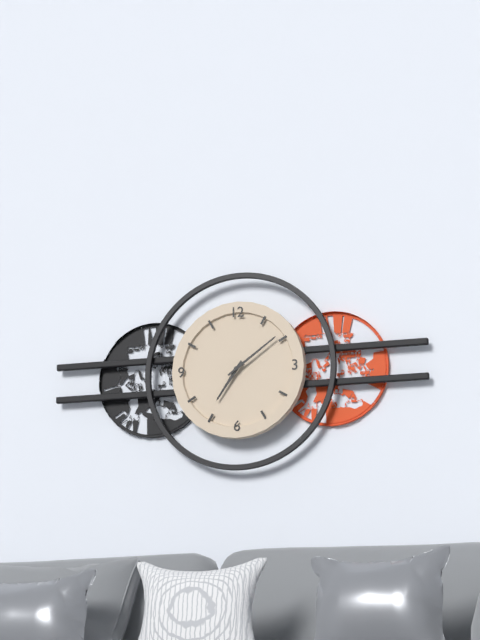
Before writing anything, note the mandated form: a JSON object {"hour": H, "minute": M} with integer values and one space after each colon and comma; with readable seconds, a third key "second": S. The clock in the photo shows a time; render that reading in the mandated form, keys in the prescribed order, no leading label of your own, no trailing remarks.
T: {"hour": 7, "minute": 9}
